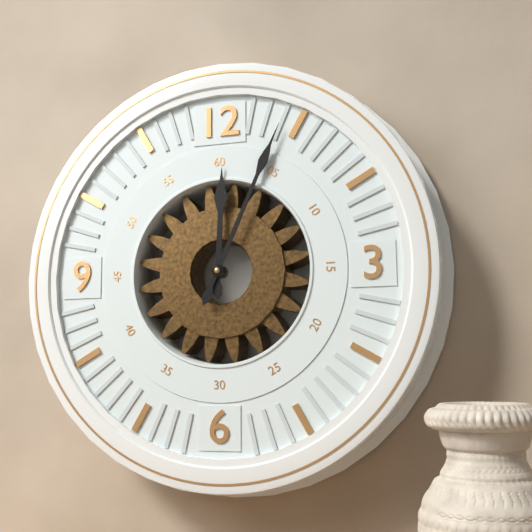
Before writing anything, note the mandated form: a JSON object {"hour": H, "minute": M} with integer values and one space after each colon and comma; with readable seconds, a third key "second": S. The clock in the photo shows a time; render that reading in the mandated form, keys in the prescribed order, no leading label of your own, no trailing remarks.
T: {"hour": 12, "minute": 4}
